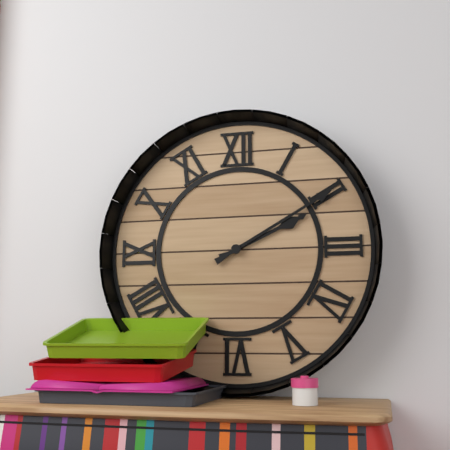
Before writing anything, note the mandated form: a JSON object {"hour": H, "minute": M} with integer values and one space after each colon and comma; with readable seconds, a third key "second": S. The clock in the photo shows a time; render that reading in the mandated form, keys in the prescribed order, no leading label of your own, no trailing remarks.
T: {"hour": 2, "minute": 10}
